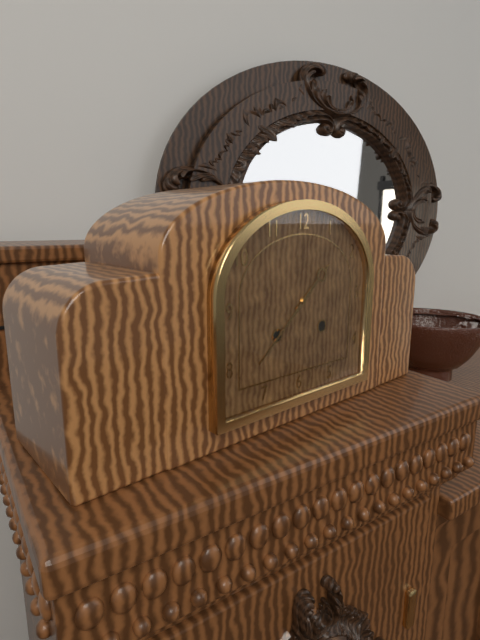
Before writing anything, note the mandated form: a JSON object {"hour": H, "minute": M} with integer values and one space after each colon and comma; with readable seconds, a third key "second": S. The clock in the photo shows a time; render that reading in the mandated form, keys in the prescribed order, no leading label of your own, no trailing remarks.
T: {"hour": 1, "minute": 38}
